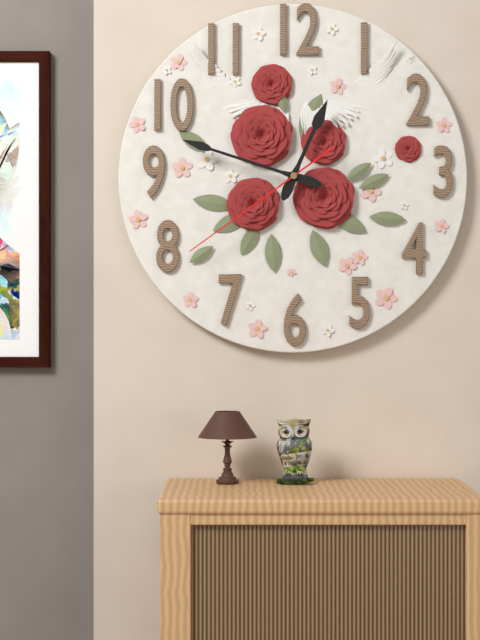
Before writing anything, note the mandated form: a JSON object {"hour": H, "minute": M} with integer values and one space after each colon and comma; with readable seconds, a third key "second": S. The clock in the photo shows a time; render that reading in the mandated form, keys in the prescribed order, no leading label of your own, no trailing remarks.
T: {"hour": 12, "minute": 48, "second": 39}
